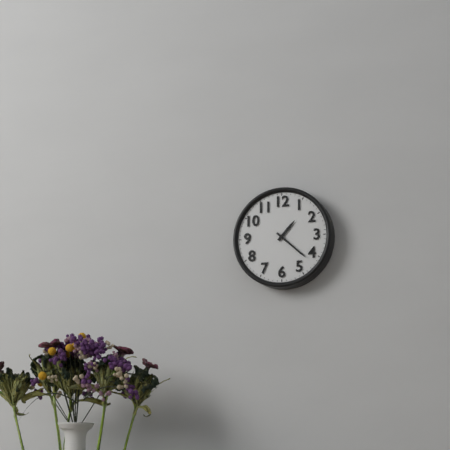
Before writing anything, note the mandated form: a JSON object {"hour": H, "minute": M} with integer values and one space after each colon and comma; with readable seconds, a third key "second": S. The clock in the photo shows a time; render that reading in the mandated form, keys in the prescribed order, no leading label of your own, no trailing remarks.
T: {"hour": 1, "minute": 22}
